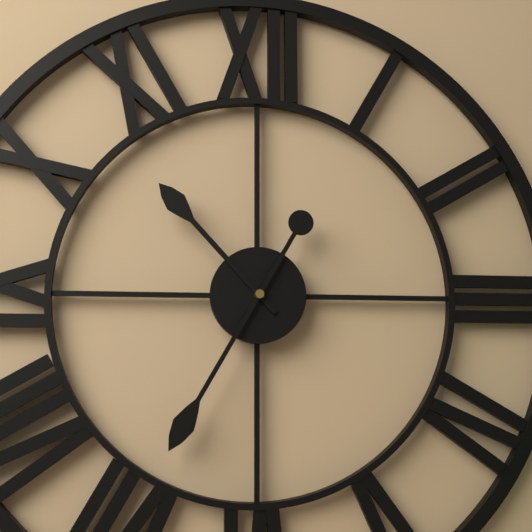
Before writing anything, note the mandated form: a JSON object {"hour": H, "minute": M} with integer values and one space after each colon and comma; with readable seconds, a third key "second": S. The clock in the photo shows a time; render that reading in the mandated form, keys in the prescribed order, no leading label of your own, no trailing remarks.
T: {"hour": 10, "minute": 35}
